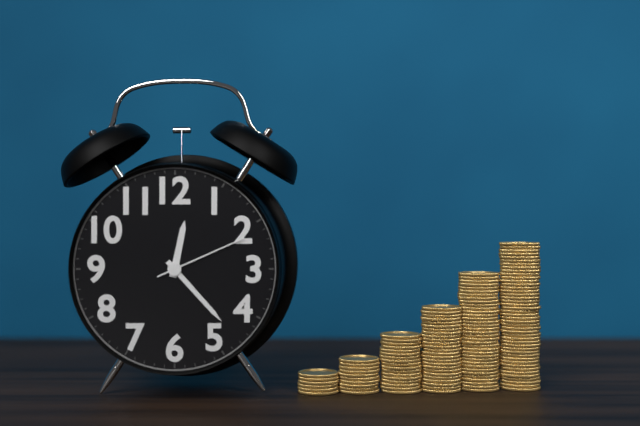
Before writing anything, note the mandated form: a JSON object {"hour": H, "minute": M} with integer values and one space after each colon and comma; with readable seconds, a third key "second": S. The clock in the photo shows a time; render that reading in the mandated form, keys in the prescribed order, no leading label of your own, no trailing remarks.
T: {"hour": 12, "minute": 23, "second": 11}
